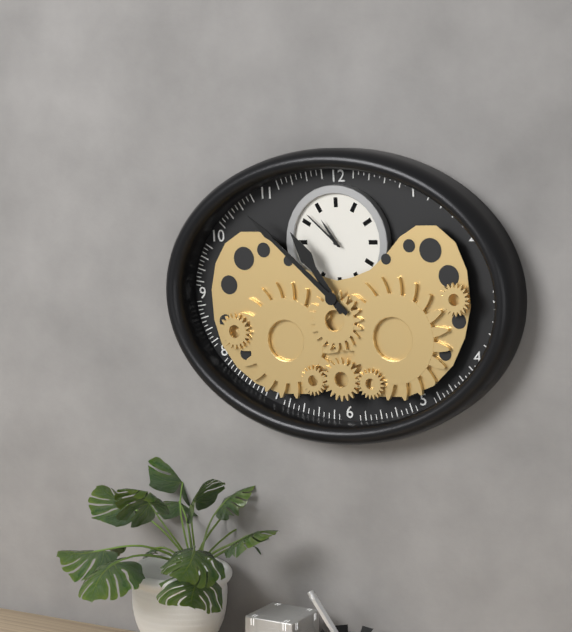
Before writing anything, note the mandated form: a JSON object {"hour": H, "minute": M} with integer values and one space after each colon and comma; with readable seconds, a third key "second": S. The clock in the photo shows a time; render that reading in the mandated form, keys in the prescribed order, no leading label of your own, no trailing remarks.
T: {"hour": 10, "minute": 52}
